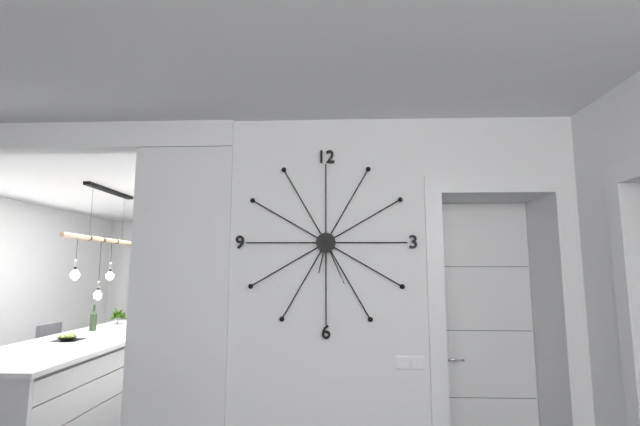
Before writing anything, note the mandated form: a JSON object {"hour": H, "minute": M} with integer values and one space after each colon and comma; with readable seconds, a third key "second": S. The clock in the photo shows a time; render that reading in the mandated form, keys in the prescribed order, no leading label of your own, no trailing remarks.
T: {"hour": 6, "minute": 26}
